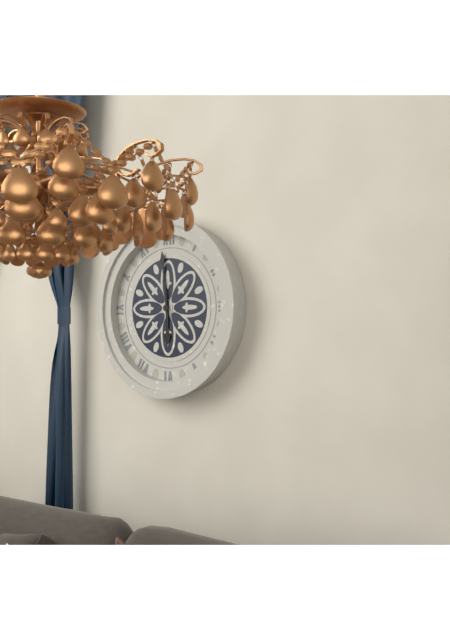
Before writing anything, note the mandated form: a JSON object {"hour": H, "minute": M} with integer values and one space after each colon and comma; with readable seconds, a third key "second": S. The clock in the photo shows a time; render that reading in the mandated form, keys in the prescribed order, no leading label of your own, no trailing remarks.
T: {"hour": 5, "minute": 59}
